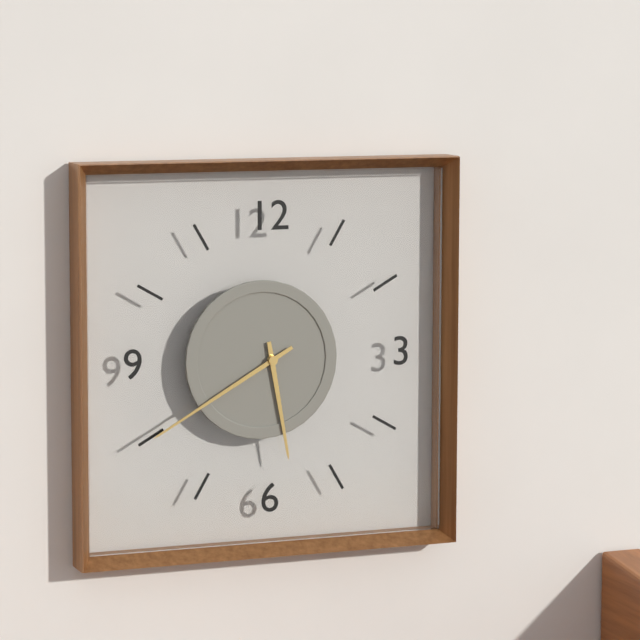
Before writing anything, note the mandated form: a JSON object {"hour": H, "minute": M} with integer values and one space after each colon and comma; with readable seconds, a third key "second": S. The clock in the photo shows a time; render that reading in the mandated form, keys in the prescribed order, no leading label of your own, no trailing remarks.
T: {"hour": 5, "minute": 40}
